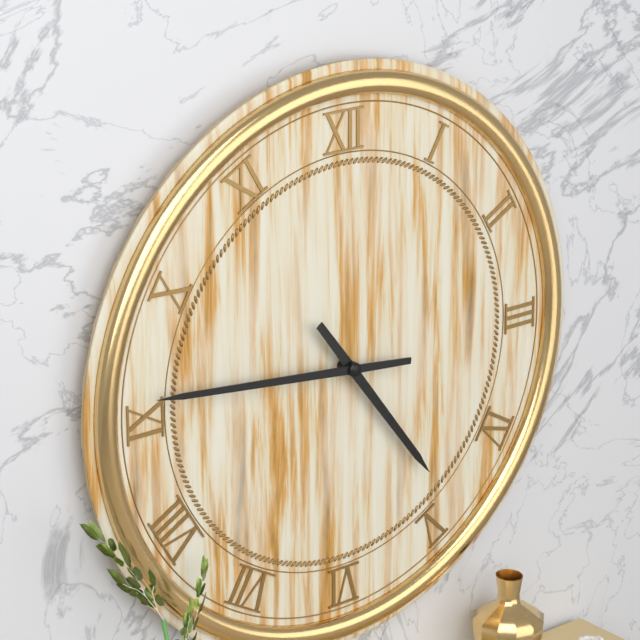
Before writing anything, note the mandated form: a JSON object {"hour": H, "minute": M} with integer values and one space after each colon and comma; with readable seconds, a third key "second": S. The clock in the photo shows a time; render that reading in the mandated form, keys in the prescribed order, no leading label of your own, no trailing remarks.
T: {"hour": 4, "minute": 46}
